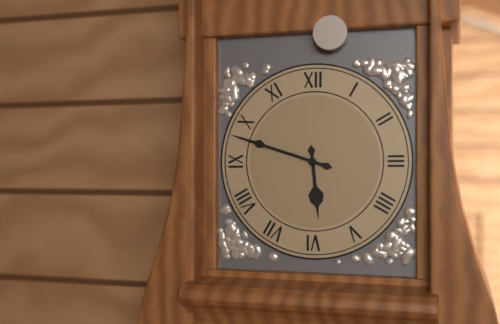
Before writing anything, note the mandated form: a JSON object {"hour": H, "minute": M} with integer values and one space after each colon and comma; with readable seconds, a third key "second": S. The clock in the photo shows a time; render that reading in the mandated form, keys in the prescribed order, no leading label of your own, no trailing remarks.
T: {"hour": 5, "minute": 48}
